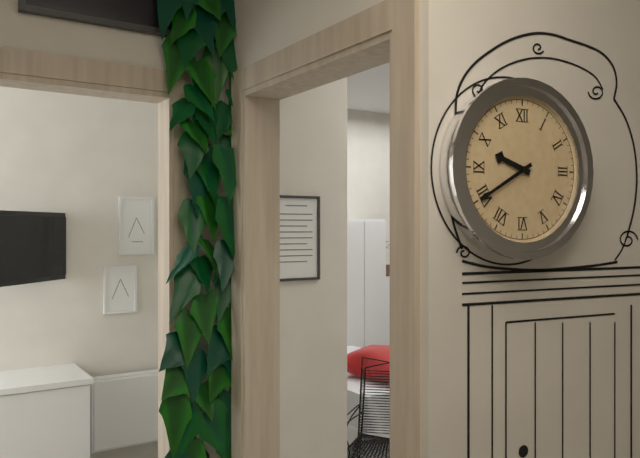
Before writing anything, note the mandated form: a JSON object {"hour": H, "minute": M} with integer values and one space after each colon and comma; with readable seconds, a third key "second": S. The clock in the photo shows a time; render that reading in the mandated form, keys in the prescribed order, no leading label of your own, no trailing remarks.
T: {"hour": 9, "minute": 40}
